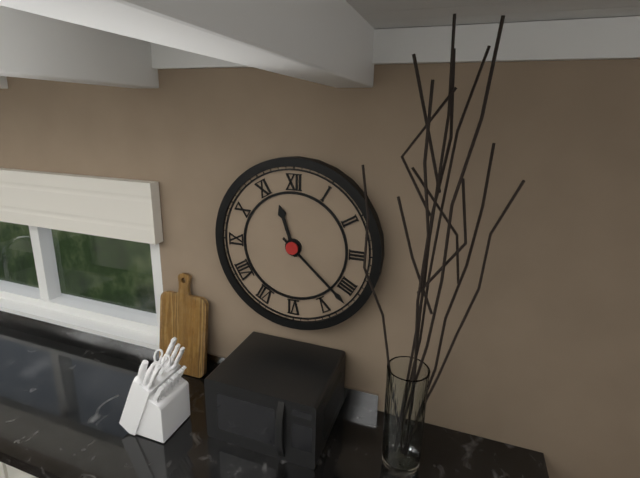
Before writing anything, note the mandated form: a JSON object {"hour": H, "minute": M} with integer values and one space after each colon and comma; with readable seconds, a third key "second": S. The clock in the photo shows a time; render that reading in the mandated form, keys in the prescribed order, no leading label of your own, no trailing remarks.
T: {"hour": 11, "minute": 22}
